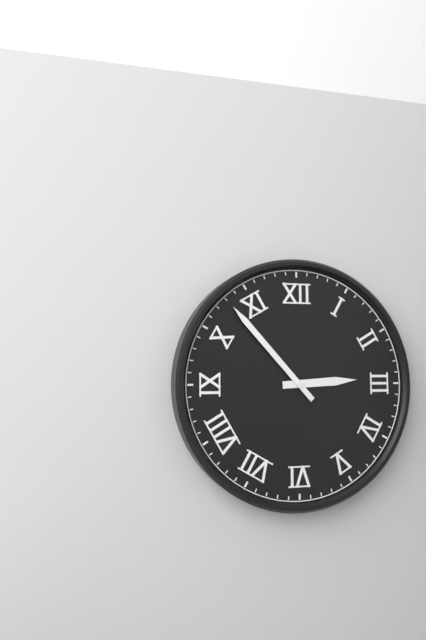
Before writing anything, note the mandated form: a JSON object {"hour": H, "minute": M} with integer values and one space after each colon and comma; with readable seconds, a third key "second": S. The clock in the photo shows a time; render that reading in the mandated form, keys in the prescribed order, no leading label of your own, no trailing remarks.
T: {"hour": 2, "minute": 53}
